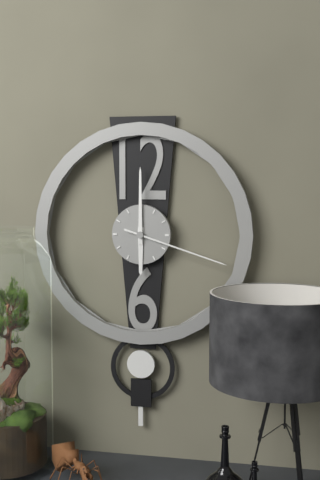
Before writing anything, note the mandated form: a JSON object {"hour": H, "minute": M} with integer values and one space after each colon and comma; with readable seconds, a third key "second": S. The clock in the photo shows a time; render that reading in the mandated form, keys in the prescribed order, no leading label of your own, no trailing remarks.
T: {"hour": 6, "minute": 0, "second": 18}
